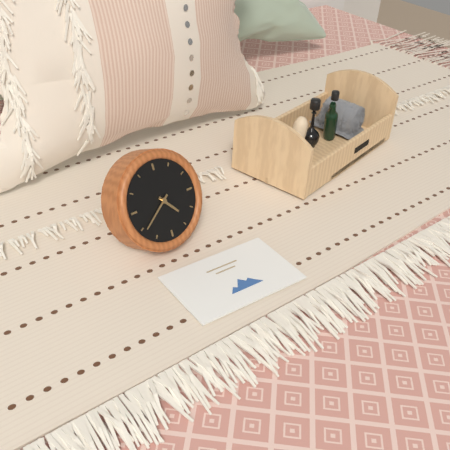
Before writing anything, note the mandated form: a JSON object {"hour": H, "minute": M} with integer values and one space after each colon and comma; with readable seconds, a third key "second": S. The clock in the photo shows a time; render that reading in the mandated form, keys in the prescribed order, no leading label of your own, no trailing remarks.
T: {"hour": 4, "minute": 39}
